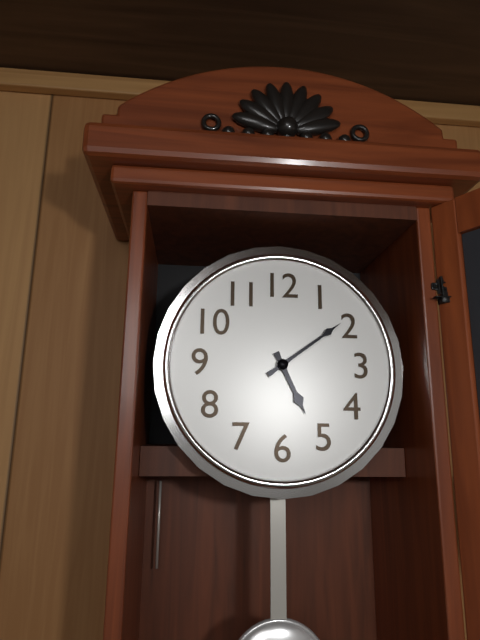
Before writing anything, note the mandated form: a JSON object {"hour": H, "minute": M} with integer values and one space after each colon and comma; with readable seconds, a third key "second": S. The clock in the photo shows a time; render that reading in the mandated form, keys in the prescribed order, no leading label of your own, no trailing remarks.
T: {"hour": 5, "minute": 9}
